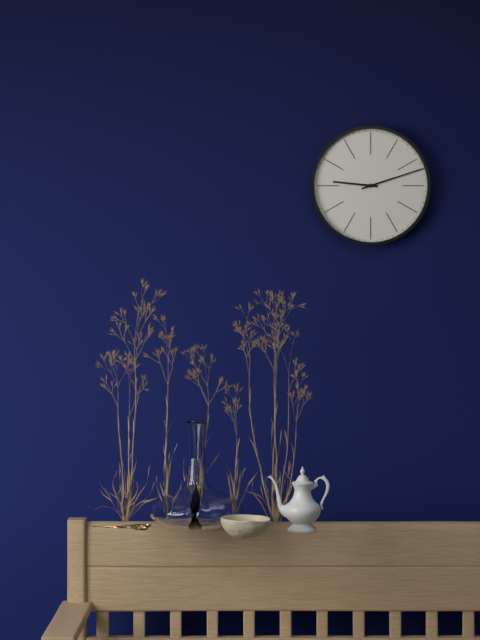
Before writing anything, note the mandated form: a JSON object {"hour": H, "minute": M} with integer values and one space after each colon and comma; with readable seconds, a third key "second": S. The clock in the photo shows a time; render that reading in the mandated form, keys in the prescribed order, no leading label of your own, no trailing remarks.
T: {"hour": 9, "minute": 12}
